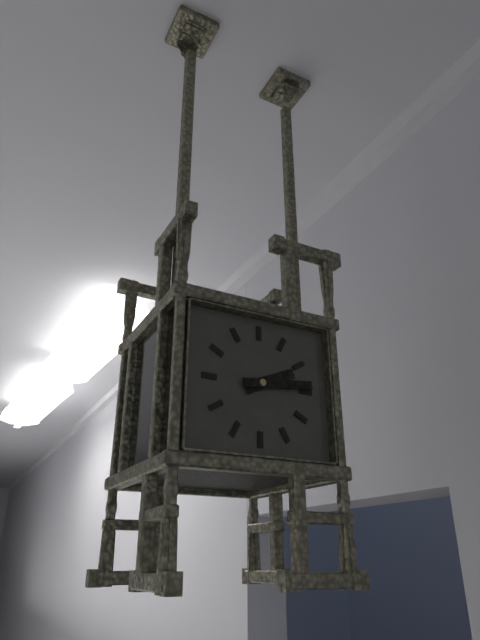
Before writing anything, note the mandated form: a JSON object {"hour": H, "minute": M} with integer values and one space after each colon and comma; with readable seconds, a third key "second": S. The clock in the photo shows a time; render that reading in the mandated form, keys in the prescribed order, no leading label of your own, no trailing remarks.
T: {"hour": 2, "minute": 14}
